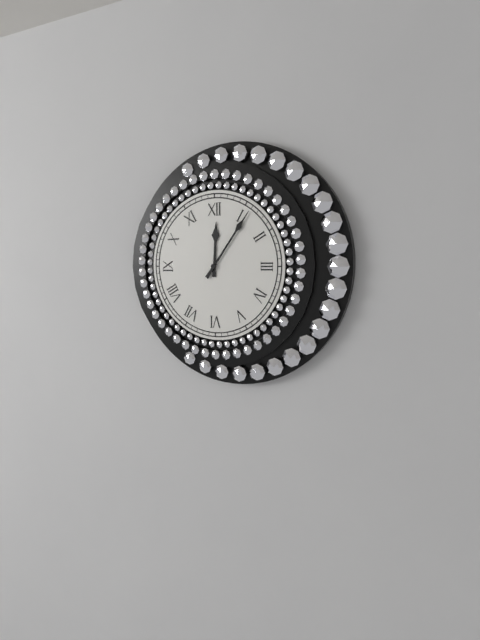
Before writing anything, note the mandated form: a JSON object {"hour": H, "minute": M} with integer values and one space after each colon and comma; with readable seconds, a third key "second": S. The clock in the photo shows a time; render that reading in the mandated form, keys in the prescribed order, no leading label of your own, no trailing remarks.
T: {"hour": 12, "minute": 6}
